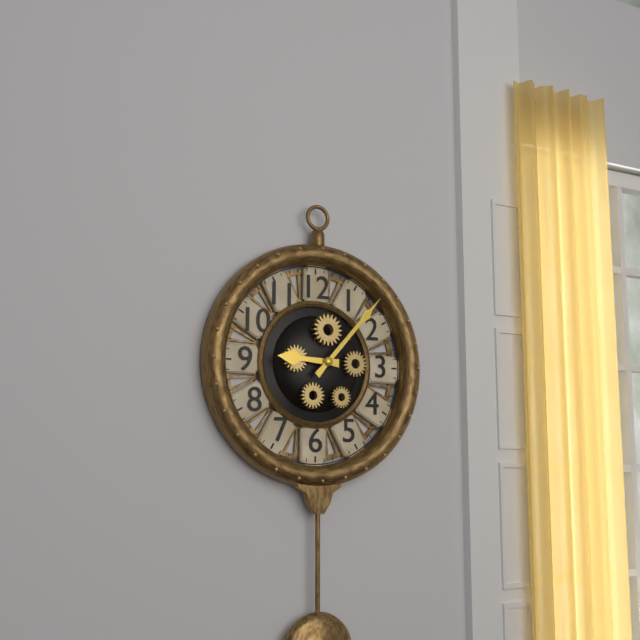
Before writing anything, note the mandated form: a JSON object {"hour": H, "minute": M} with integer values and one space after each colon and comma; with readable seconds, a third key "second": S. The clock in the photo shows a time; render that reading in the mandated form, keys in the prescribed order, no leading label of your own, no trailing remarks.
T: {"hour": 9, "minute": 7}
